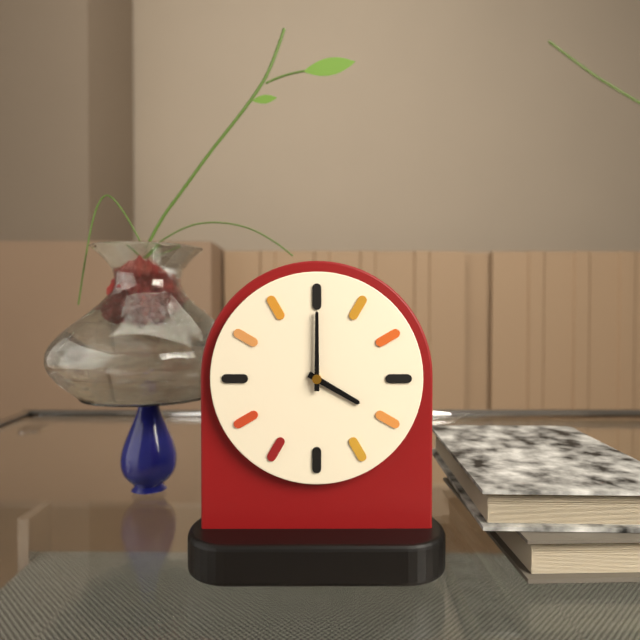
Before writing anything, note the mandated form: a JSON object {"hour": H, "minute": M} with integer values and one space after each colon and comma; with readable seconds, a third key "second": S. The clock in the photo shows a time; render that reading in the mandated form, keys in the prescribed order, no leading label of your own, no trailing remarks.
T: {"hour": 4, "minute": 0}
